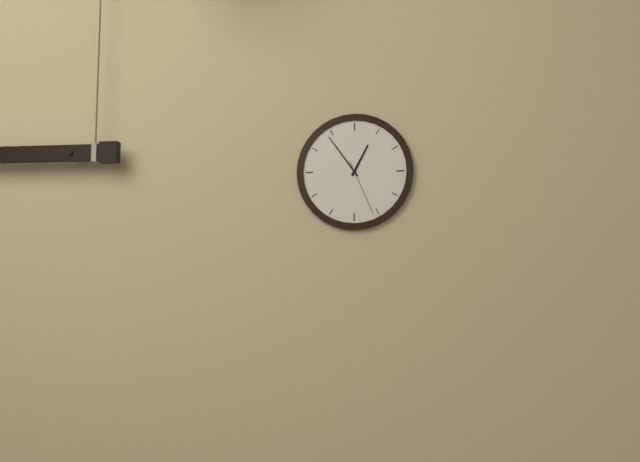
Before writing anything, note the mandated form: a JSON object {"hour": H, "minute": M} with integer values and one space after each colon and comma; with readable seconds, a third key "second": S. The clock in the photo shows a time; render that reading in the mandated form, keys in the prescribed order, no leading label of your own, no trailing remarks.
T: {"hour": 12, "minute": 54, "second": 26}
